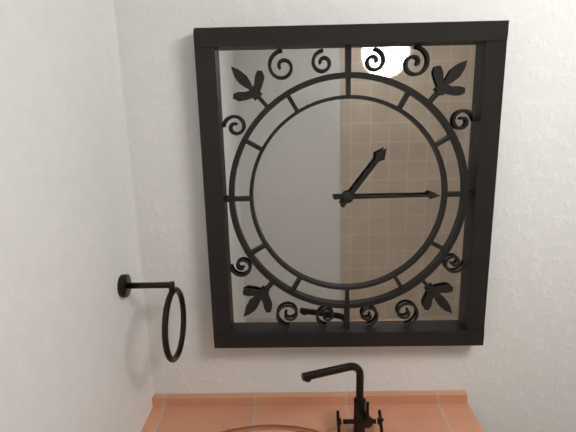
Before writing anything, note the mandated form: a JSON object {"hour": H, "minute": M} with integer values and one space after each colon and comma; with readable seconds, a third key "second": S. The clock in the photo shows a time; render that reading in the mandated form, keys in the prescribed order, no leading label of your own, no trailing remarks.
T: {"hour": 1, "minute": 15}
